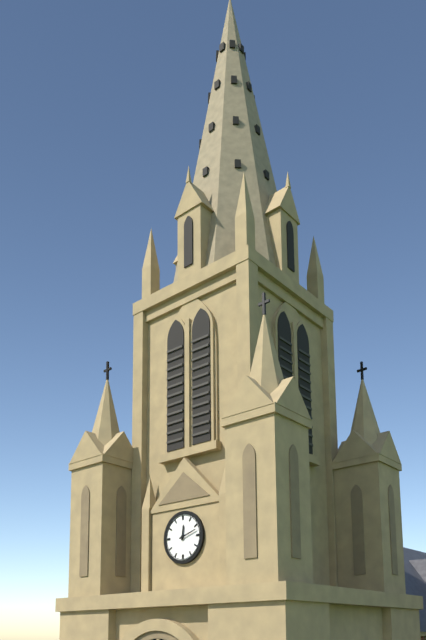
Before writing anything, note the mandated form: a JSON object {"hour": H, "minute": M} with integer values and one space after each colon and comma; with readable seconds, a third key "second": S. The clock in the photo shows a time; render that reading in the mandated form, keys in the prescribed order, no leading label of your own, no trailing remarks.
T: {"hour": 12, "minute": 12}
